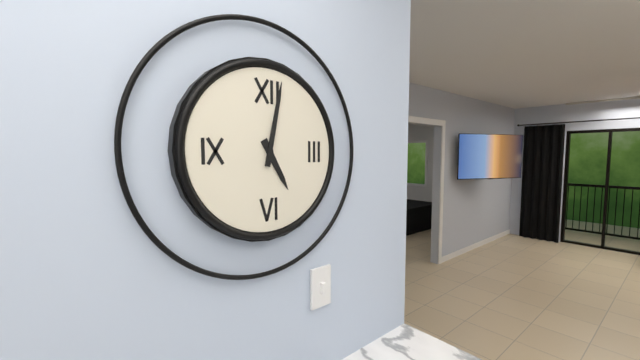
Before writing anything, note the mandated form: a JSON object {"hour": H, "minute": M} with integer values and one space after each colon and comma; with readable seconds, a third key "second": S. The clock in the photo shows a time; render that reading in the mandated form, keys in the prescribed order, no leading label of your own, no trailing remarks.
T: {"hour": 5, "minute": 2}
